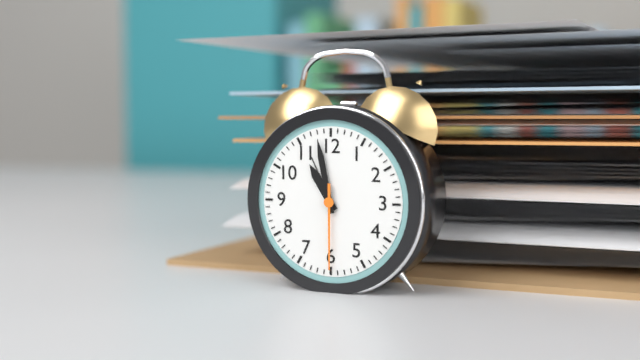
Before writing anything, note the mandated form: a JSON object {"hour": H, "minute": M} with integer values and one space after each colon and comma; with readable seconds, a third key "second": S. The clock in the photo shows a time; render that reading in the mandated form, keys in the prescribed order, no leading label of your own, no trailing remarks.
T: {"hour": 10, "minute": 58, "second": 30}
